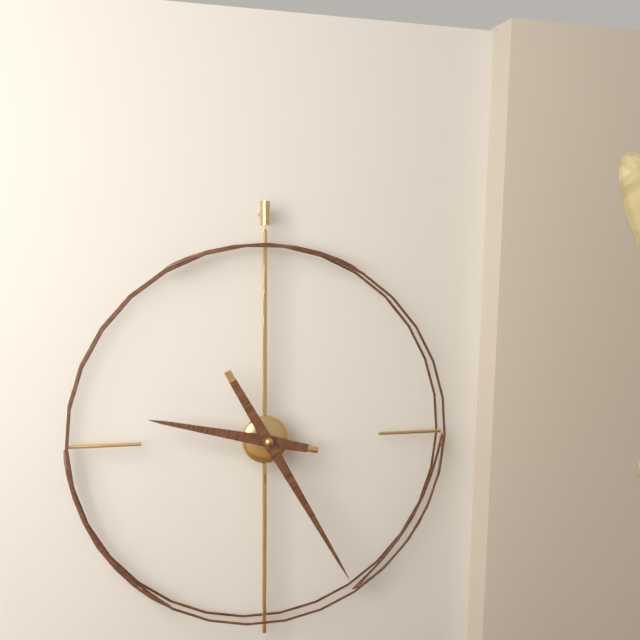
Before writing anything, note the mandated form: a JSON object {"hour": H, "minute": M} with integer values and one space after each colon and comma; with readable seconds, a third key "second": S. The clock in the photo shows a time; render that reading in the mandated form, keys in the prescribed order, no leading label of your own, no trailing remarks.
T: {"hour": 9, "minute": 25}
